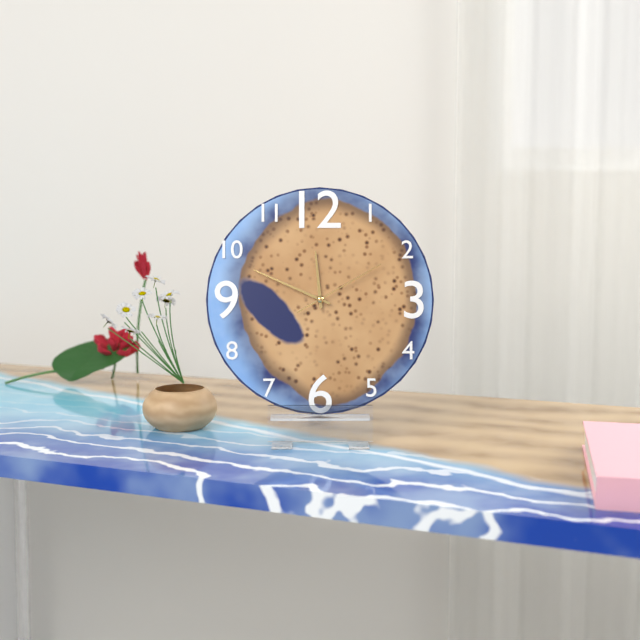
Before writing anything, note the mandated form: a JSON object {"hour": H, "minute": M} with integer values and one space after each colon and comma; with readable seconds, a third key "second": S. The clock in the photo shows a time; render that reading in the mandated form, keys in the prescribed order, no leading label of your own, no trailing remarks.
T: {"hour": 11, "minute": 49, "second": 10}
